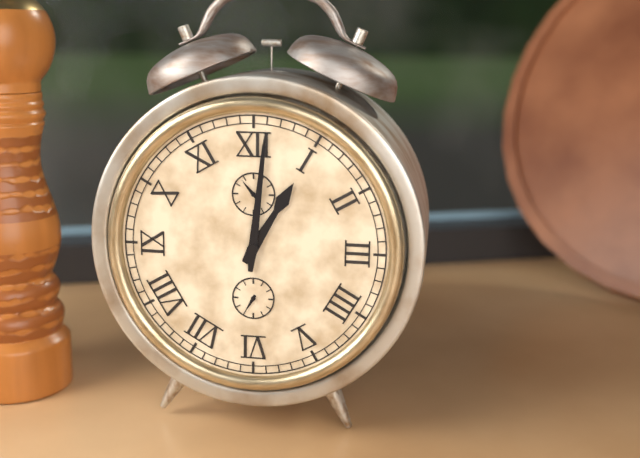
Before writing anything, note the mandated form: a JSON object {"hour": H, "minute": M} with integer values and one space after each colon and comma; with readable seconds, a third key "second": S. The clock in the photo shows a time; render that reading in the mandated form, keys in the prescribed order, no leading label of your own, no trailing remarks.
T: {"hour": 1, "minute": 1}
